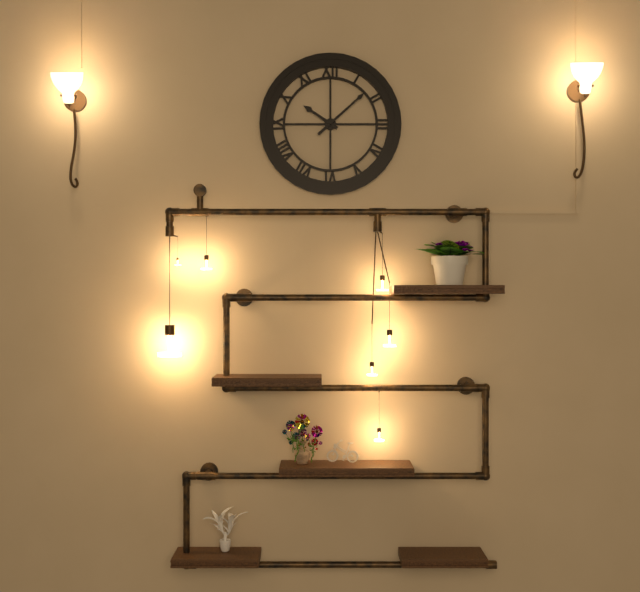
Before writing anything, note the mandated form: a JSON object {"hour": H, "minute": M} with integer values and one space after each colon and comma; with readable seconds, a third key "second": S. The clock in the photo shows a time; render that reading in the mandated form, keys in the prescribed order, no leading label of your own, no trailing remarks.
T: {"hour": 10, "minute": 8}
